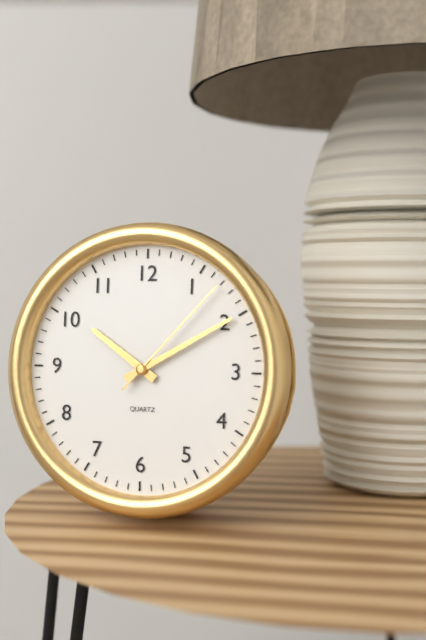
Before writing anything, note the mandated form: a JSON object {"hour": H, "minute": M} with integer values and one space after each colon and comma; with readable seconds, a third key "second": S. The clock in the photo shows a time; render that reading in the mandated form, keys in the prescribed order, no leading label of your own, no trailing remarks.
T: {"hour": 10, "minute": 10, "second": 7}
